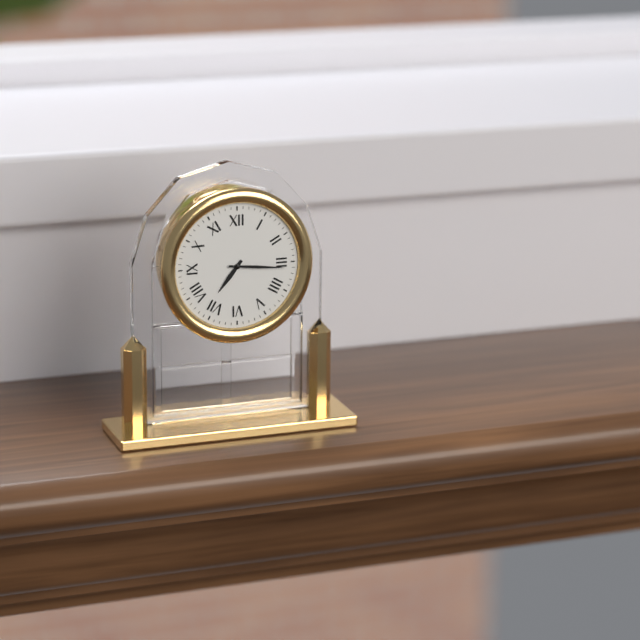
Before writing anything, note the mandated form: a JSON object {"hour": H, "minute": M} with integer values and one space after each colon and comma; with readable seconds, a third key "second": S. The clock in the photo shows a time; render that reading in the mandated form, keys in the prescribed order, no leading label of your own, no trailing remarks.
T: {"hour": 7, "minute": 16}
